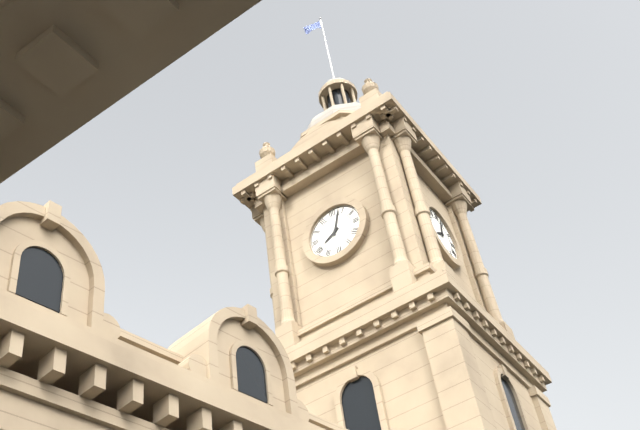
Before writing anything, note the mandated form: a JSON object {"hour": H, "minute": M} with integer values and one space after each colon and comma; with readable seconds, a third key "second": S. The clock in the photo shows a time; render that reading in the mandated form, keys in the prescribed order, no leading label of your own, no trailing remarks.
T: {"hour": 8, "minute": 3}
